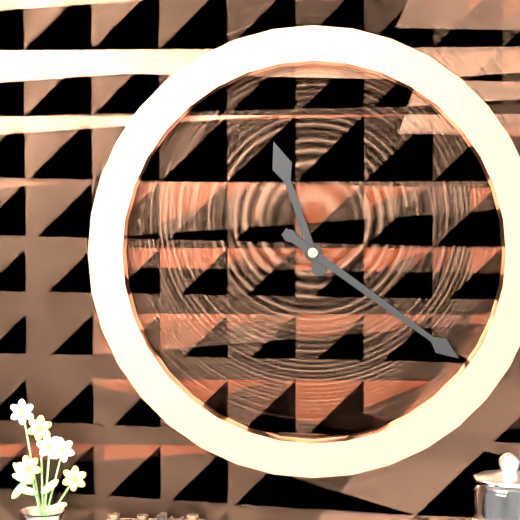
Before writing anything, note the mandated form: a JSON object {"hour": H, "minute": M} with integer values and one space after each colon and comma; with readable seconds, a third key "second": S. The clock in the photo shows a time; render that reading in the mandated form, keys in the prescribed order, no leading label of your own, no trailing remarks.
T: {"hour": 11, "minute": 21}
